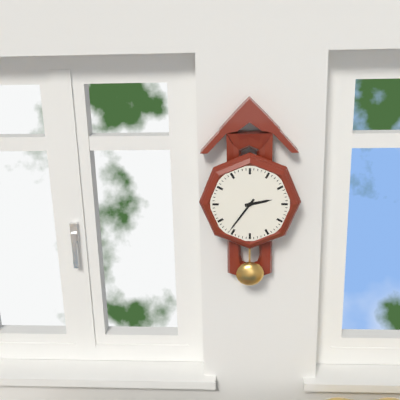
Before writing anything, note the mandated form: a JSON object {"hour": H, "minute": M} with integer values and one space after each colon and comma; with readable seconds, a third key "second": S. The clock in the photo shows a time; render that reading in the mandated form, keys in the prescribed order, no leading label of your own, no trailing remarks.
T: {"hour": 2, "minute": 36}
